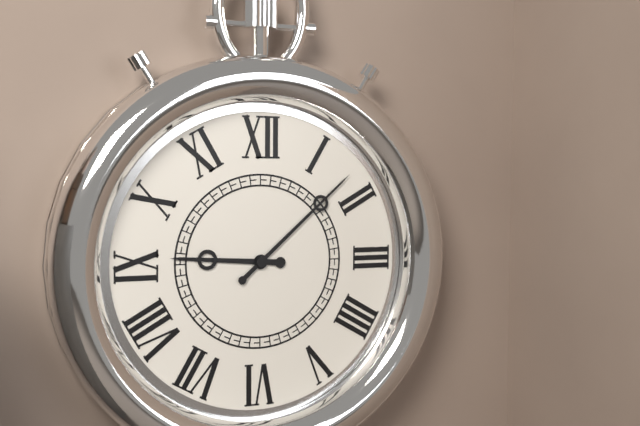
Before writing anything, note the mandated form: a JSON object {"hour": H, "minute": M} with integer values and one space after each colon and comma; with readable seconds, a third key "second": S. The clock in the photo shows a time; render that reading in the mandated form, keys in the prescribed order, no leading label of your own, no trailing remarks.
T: {"hour": 9, "minute": 8}
